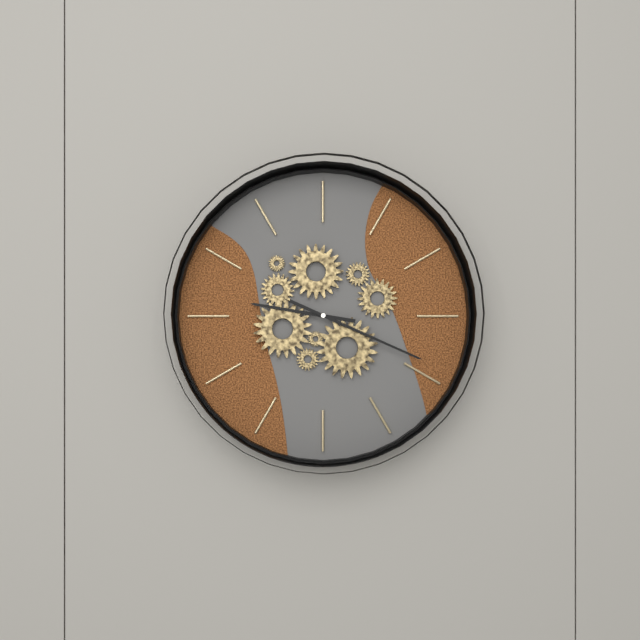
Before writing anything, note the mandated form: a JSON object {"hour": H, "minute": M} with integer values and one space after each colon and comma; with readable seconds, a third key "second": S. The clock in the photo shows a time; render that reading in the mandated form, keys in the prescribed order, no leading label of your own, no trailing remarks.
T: {"hour": 9, "minute": 19}
